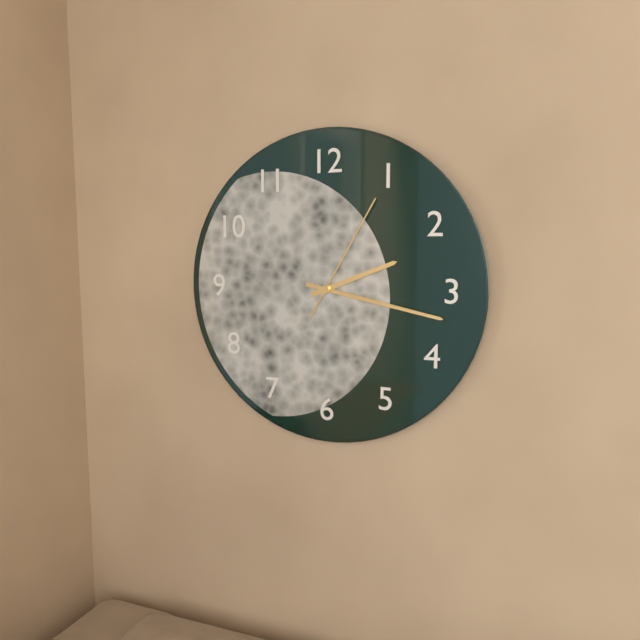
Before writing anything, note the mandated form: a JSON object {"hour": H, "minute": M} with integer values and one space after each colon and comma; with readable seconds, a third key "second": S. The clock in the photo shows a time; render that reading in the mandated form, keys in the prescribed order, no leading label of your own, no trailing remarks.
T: {"hour": 2, "minute": 17, "second": 5}
